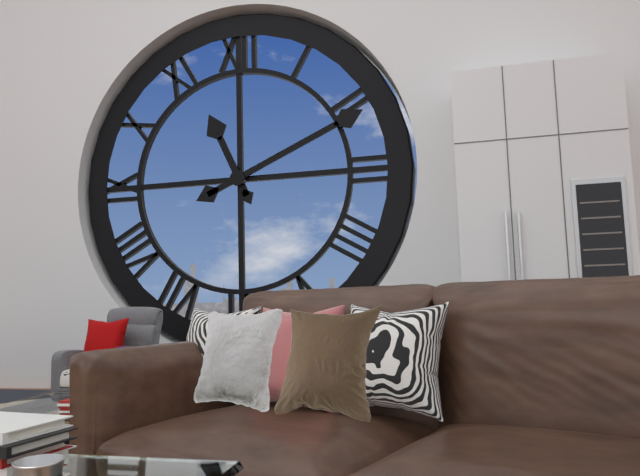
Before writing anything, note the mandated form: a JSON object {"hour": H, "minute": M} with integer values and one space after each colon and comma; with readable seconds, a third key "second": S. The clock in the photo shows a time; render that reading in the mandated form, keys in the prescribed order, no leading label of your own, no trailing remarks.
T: {"hour": 11, "minute": 11}
